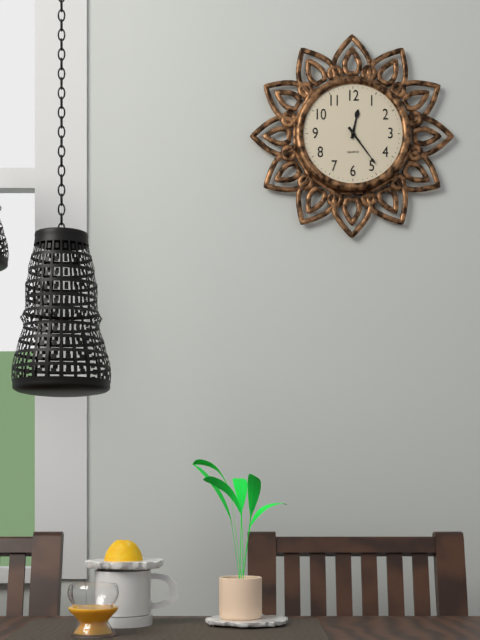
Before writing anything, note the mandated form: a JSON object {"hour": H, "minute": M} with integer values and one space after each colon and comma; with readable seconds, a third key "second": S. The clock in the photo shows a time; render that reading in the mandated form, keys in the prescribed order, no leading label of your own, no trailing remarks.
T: {"hour": 12, "minute": 24}
